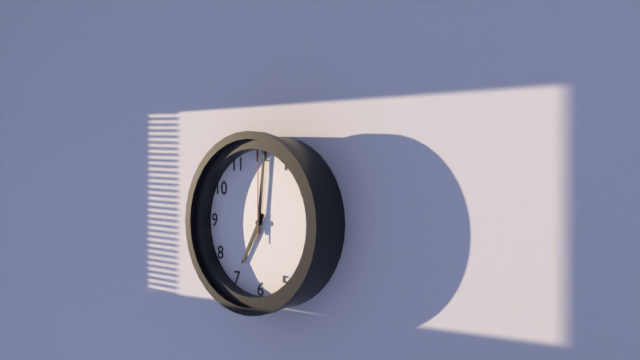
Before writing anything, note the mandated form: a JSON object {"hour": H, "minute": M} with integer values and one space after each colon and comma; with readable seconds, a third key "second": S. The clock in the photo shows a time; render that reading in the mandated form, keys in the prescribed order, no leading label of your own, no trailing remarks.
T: {"hour": 7, "minute": 1, "second": 0}
